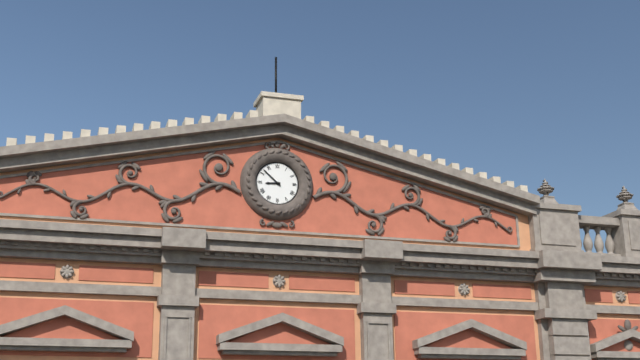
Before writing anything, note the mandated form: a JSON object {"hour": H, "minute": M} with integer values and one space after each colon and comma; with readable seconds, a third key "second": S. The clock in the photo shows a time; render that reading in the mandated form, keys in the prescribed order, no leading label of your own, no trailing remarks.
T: {"hour": 8, "minute": 52}
